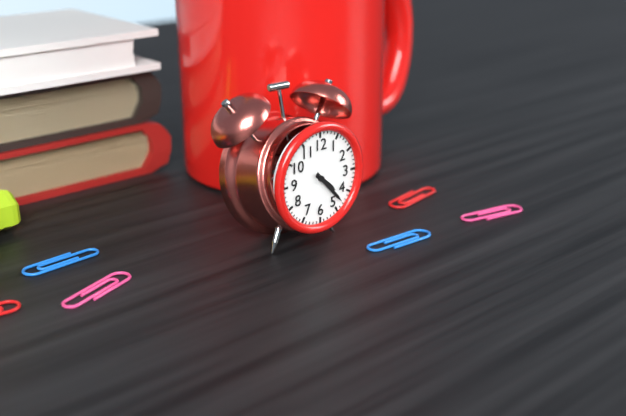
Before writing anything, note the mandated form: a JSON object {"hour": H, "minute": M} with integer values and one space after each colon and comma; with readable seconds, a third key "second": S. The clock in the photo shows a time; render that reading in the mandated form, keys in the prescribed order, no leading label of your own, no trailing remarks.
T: {"hour": 4, "minute": 23}
